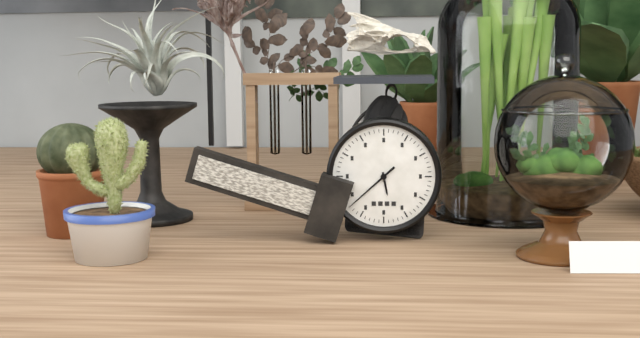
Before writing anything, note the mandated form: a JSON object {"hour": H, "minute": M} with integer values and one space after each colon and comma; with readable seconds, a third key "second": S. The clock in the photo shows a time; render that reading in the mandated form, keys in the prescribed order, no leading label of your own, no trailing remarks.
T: {"hour": 5, "minute": 38}
